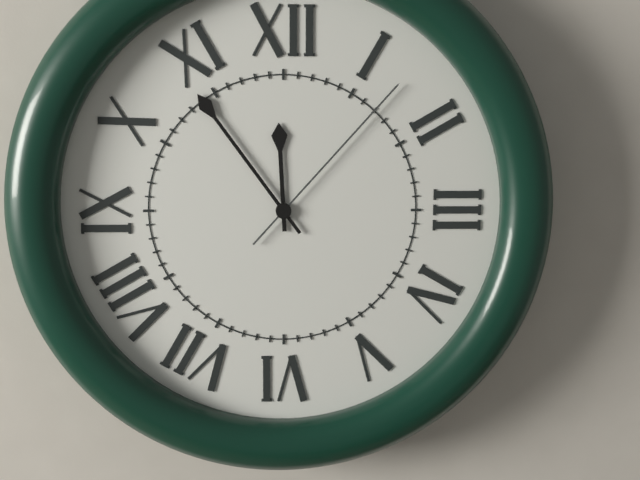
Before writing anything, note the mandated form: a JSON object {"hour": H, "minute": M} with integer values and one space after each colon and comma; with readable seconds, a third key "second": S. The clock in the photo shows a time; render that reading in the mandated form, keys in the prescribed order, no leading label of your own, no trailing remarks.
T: {"hour": 11, "minute": 54, "second": 7}
